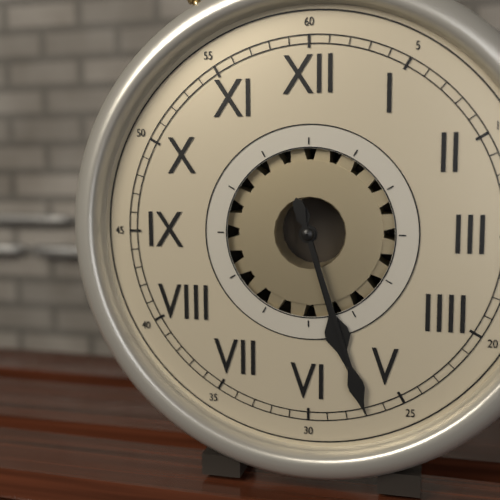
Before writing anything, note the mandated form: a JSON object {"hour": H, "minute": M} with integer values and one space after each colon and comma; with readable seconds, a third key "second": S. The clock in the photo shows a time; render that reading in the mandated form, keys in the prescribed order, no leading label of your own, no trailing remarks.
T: {"hour": 5, "minute": 27}
